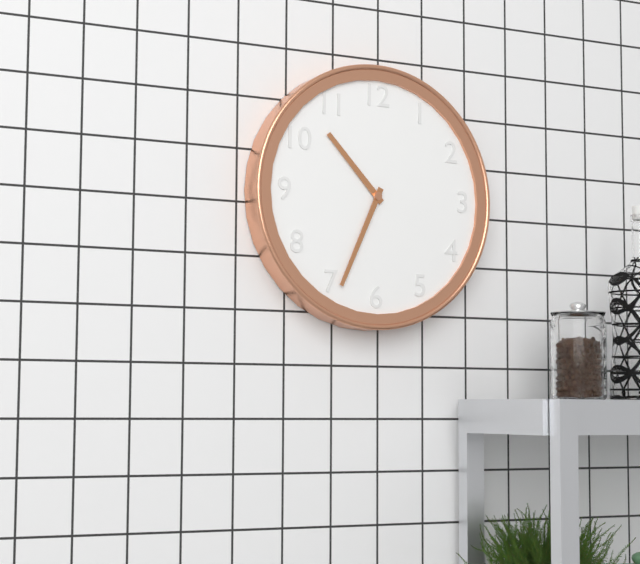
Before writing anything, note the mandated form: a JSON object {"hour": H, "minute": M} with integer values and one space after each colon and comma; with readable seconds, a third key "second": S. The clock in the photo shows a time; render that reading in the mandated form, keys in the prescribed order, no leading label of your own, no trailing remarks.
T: {"hour": 10, "minute": 34}
